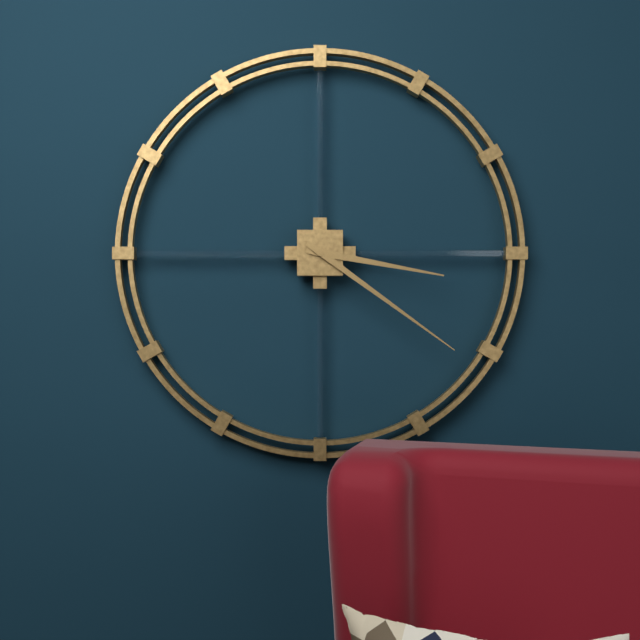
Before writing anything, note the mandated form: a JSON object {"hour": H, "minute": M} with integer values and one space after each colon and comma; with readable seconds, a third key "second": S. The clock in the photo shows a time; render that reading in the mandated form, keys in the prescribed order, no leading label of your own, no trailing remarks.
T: {"hour": 3, "minute": 21}
